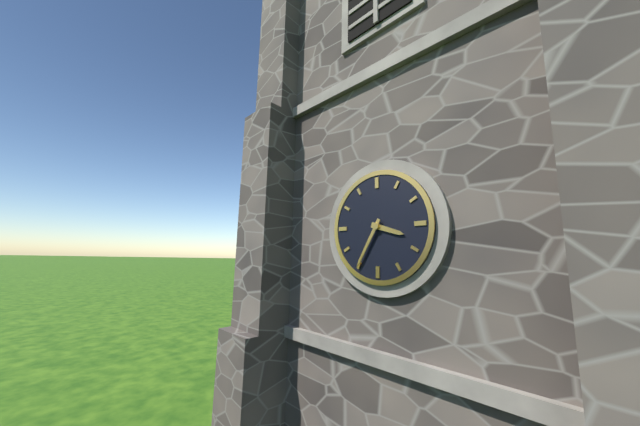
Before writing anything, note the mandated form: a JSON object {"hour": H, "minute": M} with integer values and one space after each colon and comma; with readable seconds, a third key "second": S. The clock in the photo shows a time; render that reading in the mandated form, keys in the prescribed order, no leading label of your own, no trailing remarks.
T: {"hour": 3, "minute": 35}
